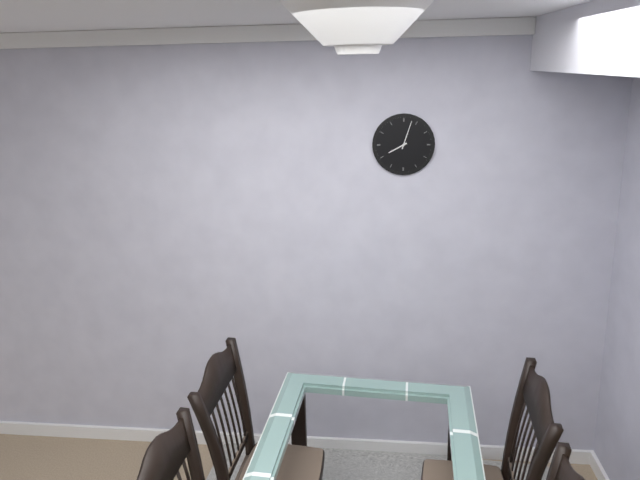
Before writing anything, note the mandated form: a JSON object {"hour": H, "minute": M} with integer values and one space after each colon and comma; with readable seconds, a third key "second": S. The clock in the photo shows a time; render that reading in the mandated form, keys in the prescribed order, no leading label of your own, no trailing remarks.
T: {"hour": 8, "minute": 3}
